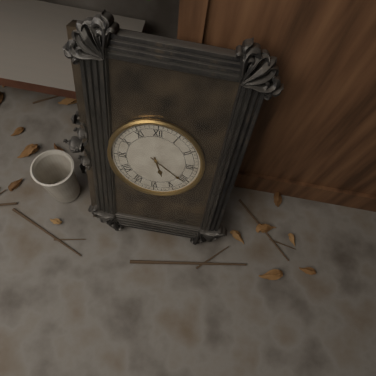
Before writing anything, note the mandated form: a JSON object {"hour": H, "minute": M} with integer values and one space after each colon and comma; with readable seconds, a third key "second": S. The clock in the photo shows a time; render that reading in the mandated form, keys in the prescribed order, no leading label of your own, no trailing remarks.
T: {"hour": 5, "minute": 21}
